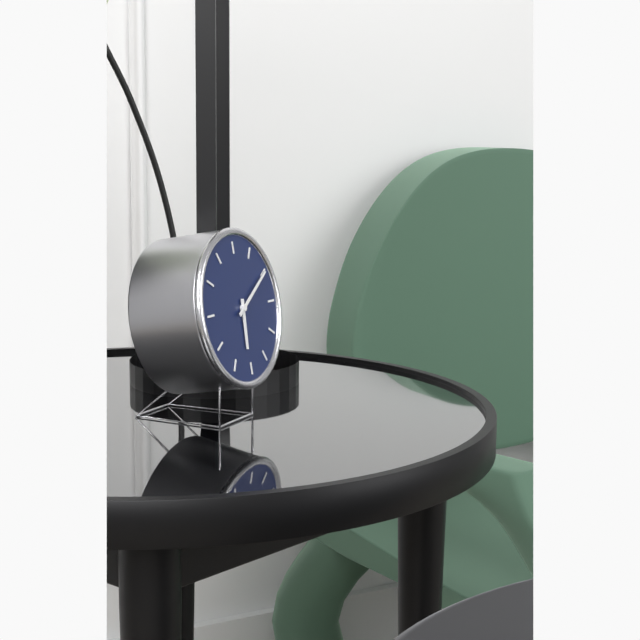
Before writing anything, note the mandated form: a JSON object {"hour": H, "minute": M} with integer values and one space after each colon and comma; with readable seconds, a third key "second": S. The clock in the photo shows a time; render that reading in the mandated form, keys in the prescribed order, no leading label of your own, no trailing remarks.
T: {"hour": 6, "minute": 10}
